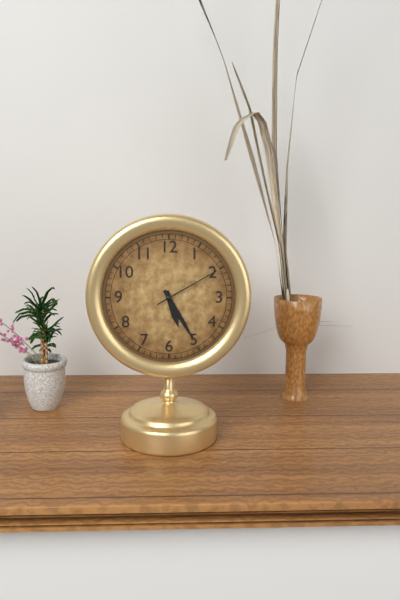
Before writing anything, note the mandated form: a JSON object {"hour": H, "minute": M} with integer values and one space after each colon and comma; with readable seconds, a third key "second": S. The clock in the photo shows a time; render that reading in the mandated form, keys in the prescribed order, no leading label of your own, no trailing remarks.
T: {"hour": 5, "minute": 25, "second": 10}
